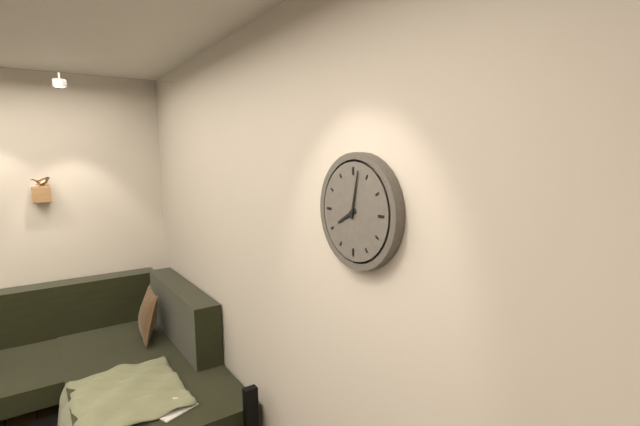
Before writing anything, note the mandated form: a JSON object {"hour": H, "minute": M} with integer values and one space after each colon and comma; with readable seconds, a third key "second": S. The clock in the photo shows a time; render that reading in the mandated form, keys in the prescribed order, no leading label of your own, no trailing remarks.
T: {"hour": 8, "minute": 2}
